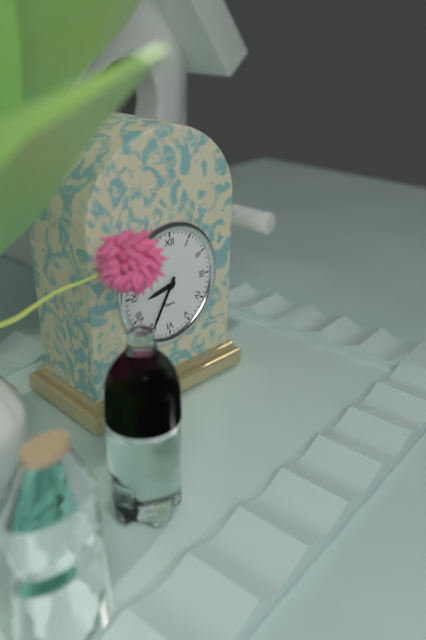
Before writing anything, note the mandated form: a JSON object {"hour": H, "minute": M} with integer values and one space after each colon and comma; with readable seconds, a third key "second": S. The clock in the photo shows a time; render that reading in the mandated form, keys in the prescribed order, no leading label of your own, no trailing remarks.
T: {"hour": 8, "minute": 35}
